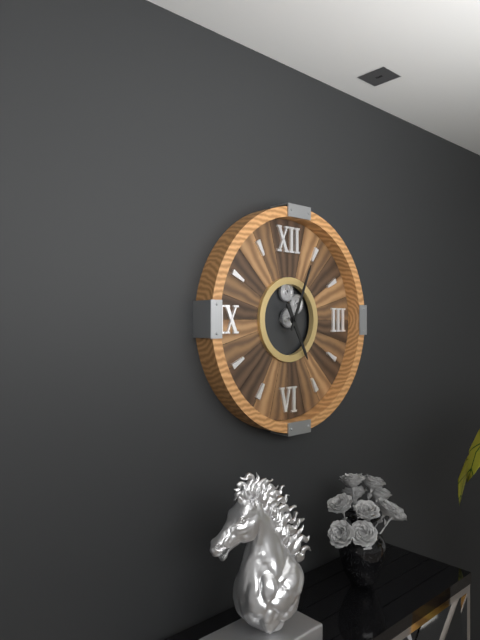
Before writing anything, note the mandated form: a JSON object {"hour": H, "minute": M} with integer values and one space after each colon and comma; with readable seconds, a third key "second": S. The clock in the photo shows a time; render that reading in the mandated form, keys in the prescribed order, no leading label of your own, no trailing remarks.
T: {"hour": 5, "minute": 4}
